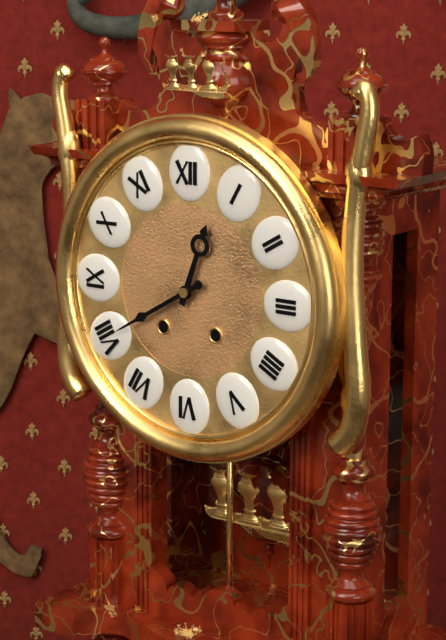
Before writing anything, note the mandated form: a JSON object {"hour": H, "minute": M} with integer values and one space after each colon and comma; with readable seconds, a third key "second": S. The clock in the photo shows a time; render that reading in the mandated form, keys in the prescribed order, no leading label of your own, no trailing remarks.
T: {"hour": 12, "minute": 40}
